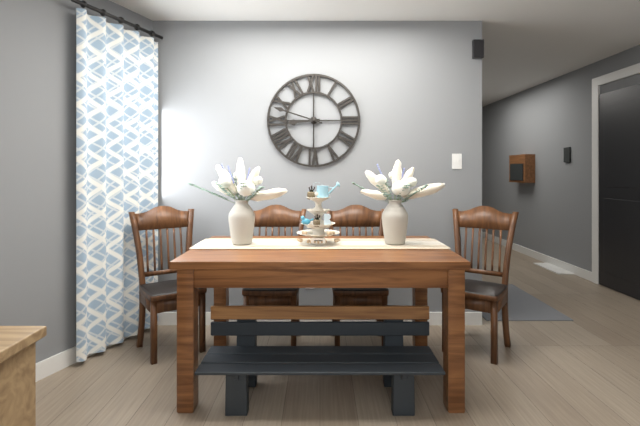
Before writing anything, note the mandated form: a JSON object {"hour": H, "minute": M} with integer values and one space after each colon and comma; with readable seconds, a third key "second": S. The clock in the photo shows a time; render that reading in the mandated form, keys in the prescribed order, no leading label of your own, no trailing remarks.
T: {"hour": 8, "minute": 48}
